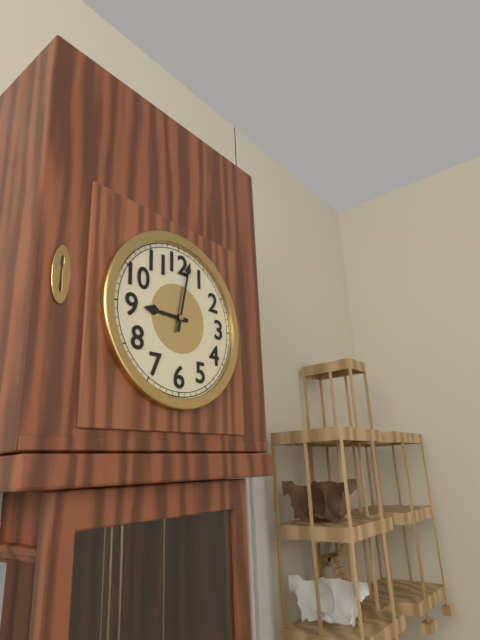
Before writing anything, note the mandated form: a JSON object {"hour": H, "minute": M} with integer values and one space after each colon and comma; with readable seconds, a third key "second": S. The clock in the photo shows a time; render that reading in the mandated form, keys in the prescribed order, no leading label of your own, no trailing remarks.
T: {"hour": 9, "minute": 2}
